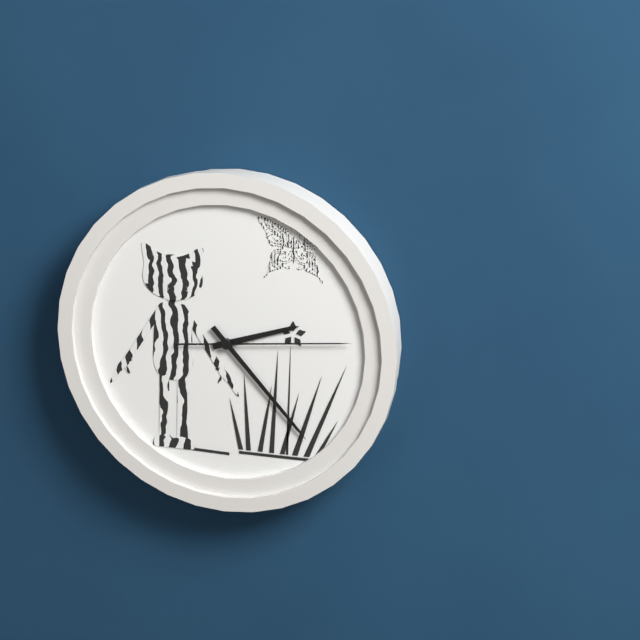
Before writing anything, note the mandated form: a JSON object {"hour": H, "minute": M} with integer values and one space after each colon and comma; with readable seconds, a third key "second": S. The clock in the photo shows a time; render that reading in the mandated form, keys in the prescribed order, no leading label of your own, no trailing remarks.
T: {"hour": 2, "minute": 23, "second": 14}
